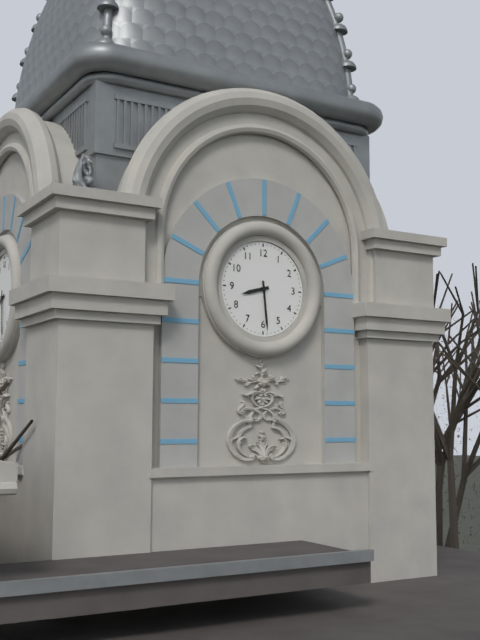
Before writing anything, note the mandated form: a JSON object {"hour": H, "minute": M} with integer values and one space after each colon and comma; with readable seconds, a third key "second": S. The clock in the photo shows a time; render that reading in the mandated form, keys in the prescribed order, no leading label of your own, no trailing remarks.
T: {"hour": 8, "minute": 29}
